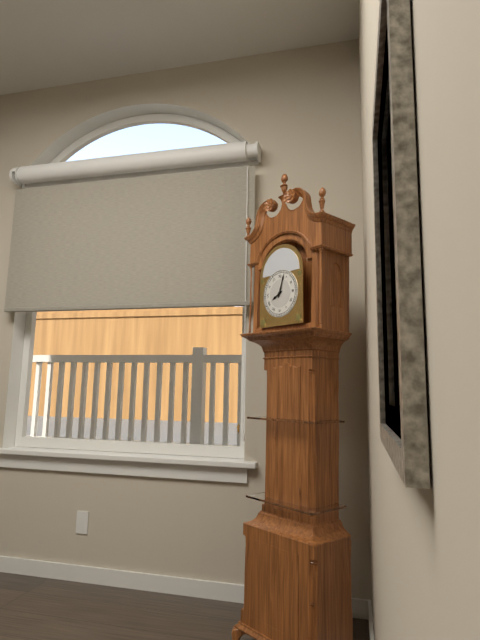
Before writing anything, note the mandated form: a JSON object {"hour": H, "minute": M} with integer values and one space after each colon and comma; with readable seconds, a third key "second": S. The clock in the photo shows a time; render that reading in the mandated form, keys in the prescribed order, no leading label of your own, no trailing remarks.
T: {"hour": 8, "minute": 3}
